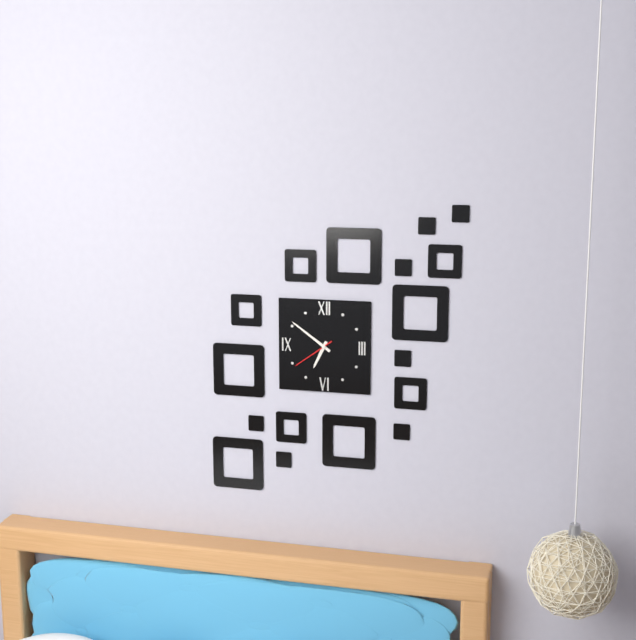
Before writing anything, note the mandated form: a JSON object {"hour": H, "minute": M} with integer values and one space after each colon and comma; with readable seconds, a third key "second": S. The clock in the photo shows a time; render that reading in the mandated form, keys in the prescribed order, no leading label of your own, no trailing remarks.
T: {"hour": 6, "minute": 51}
